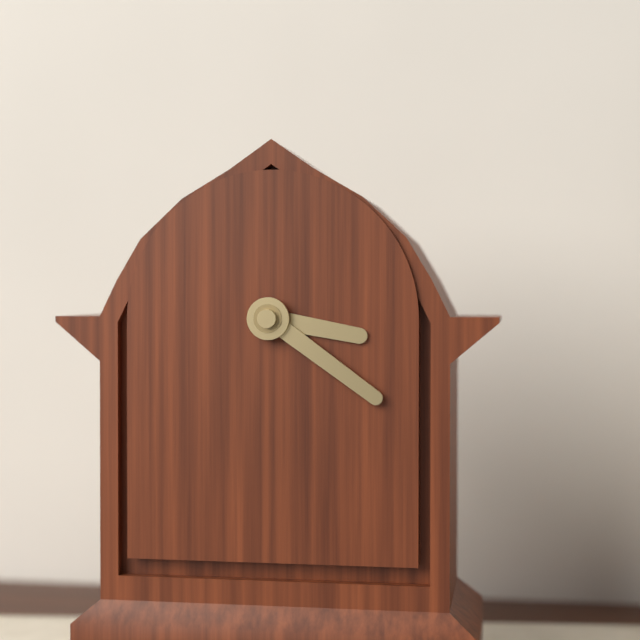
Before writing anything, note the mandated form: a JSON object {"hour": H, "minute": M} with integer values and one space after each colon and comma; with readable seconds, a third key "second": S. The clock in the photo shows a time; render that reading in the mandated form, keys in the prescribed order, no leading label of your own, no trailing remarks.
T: {"hour": 3, "minute": 21}
